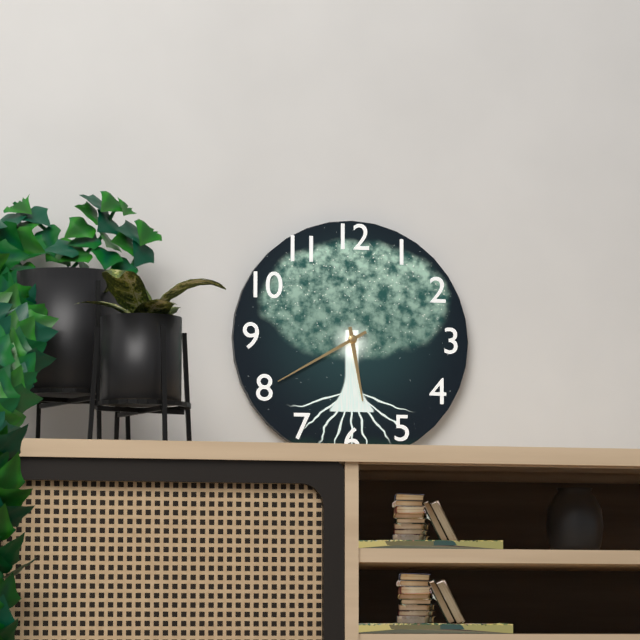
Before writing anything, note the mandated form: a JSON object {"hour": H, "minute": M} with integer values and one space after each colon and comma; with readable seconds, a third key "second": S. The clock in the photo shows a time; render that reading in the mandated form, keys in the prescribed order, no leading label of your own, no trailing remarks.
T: {"hour": 5, "minute": 40}
